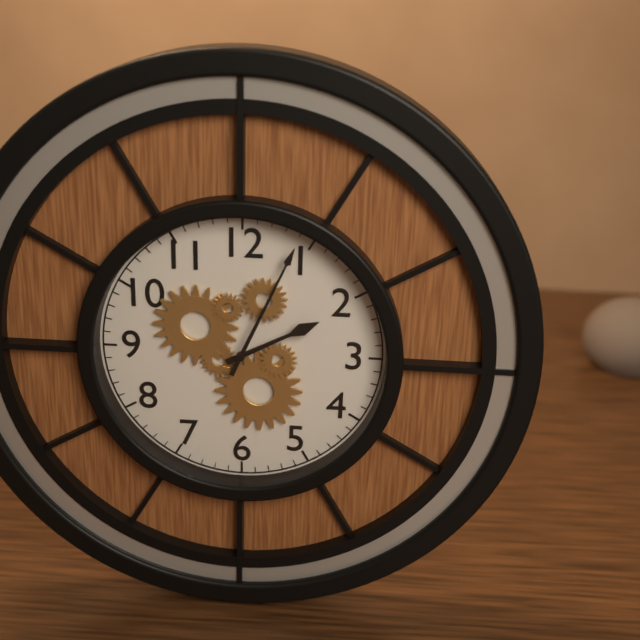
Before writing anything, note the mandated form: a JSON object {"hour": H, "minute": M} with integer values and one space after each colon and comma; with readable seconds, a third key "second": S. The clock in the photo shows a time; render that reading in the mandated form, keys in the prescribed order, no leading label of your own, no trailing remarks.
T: {"hour": 2, "minute": 4}
